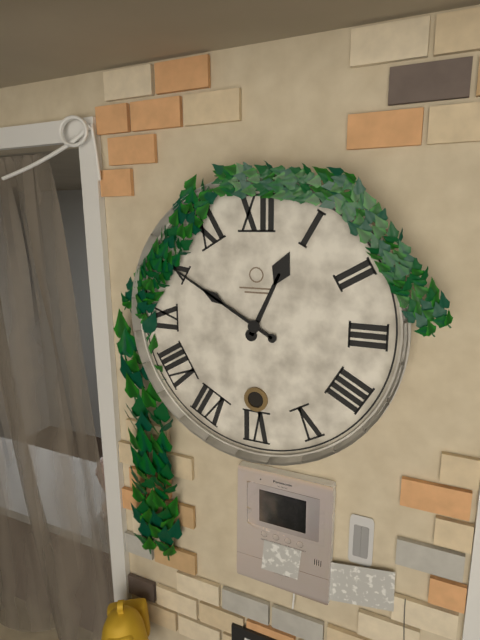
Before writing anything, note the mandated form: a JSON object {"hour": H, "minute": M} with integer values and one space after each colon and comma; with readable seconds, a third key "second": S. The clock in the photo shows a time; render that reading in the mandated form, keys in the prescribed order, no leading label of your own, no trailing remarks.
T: {"hour": 12, "minute": 50}
